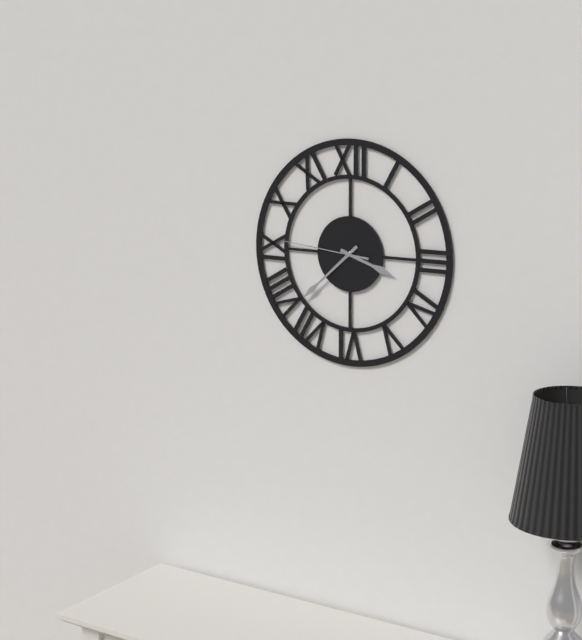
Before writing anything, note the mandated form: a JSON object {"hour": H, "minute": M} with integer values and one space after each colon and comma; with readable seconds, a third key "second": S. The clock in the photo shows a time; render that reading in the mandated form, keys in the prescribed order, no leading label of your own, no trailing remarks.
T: {"hour": 3, "minute": 38, "second": 46}
